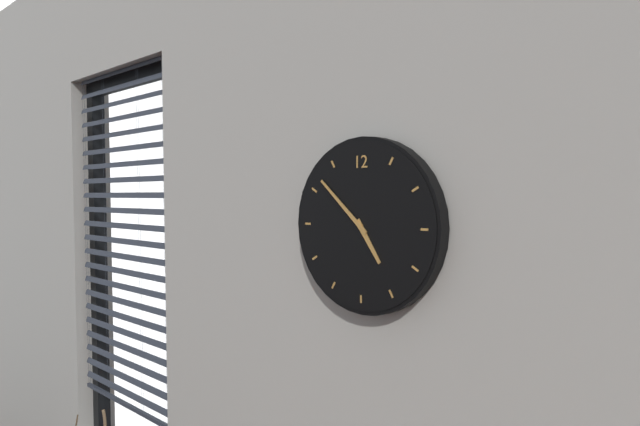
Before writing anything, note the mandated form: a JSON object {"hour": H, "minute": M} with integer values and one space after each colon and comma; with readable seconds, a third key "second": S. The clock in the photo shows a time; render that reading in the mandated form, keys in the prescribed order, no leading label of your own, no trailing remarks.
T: {"hour": 4, "minute": 52}
